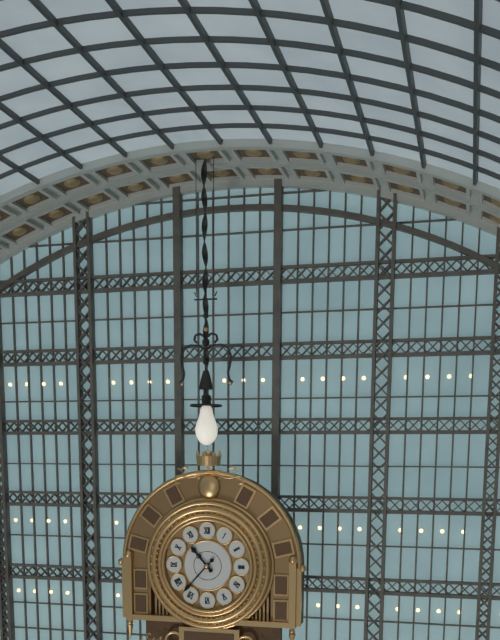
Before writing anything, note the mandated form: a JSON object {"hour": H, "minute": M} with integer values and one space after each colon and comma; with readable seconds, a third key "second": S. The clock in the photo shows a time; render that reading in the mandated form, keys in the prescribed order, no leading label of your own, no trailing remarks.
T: {"hour": 10, "minute": 37}
